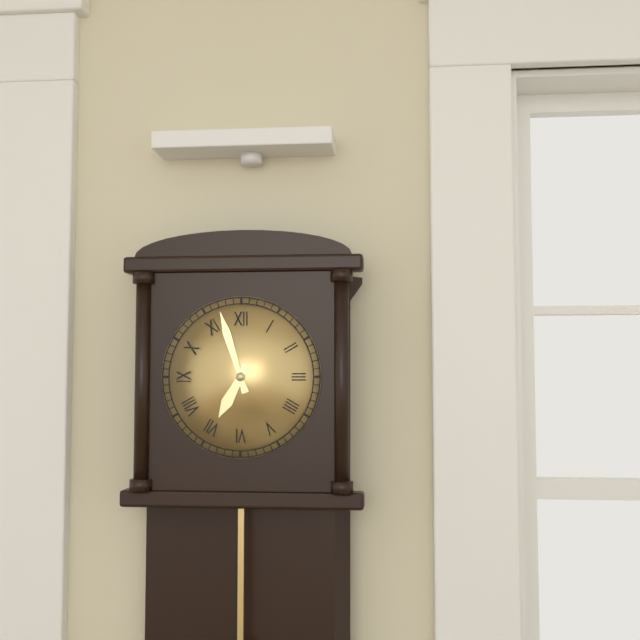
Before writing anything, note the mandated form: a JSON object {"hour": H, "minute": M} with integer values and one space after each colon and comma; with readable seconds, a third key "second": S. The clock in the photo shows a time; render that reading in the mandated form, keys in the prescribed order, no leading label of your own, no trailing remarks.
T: {"hour": 6, "minute": 57}
